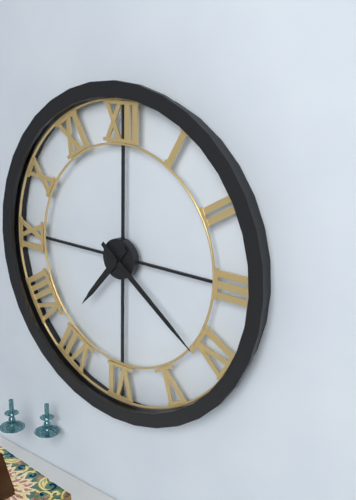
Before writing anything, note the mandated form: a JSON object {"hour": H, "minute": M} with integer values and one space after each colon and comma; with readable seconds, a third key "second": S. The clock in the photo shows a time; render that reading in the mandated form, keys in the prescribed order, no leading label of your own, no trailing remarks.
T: {"hour": 7, "minute": 21}
